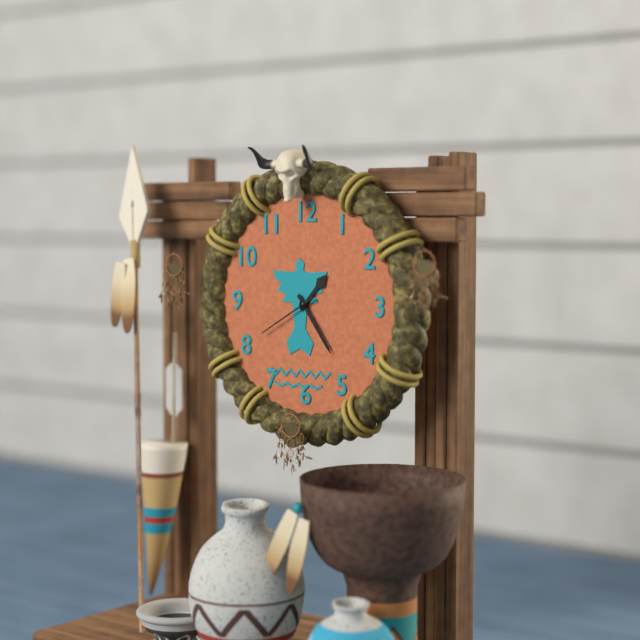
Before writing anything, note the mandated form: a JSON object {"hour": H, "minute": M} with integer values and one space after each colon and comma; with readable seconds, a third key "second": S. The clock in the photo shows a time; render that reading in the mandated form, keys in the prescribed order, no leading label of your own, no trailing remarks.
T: {"hour": 1, "minute": 24, "second": 40}
